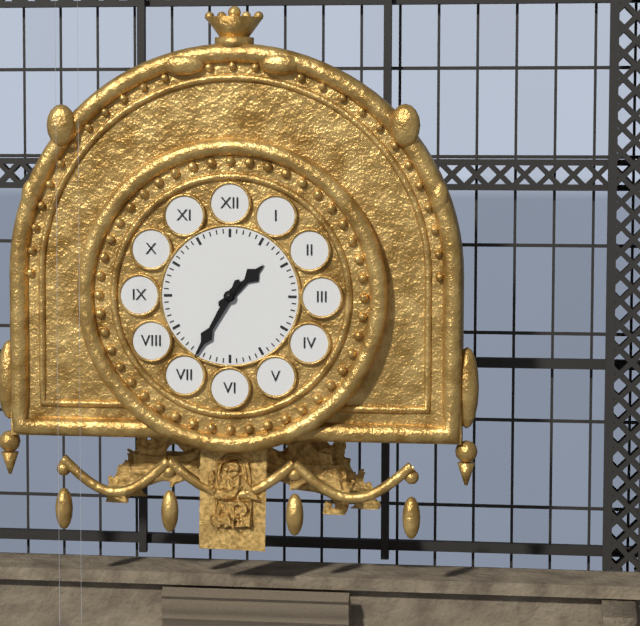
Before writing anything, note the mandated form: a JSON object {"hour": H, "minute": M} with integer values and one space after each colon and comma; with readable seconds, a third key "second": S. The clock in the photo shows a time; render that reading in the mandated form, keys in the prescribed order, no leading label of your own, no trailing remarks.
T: {"hour": 1, "minute": 35}
